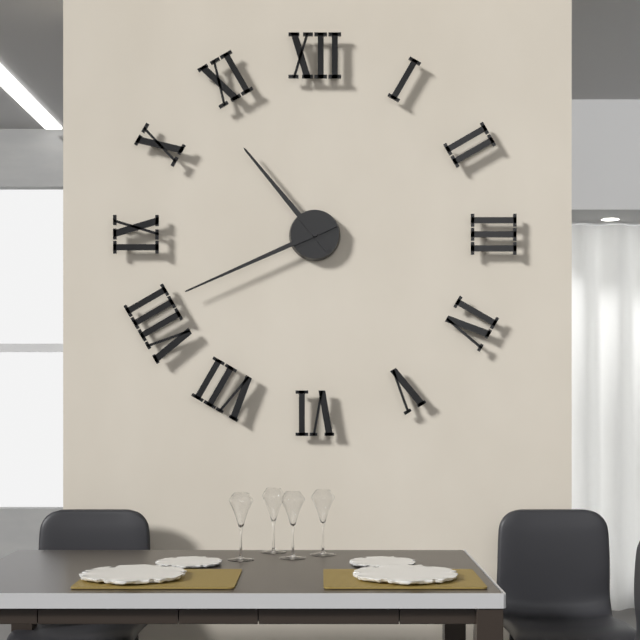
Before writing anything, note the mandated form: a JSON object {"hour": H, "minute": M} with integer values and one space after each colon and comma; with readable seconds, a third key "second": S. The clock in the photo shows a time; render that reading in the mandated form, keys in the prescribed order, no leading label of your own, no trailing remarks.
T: {"hour": 10, "minute": 41}
